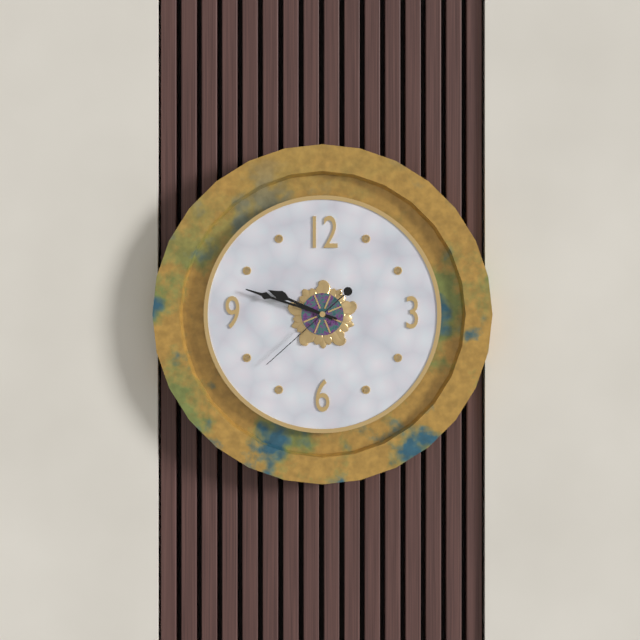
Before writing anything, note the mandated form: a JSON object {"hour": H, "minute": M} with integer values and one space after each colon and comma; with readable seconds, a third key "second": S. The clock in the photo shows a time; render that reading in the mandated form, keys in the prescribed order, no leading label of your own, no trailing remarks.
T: {"hour": 9, "minute": 48, "second": 38}
